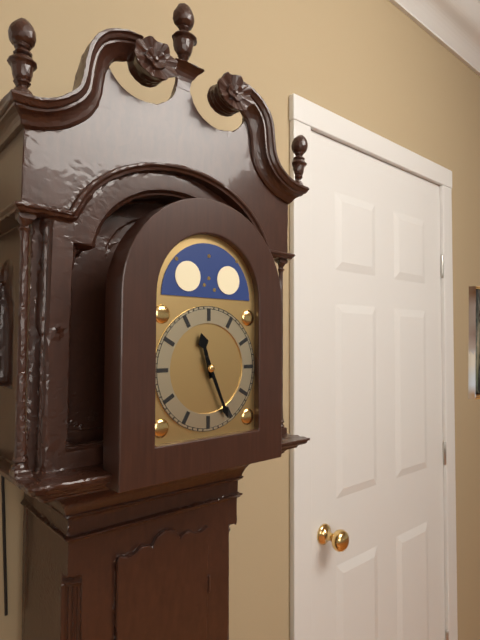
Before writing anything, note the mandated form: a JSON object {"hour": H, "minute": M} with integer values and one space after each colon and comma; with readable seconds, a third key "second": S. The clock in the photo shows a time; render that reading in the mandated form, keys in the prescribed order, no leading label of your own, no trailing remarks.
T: {"hour": 11, "minute": 26}
